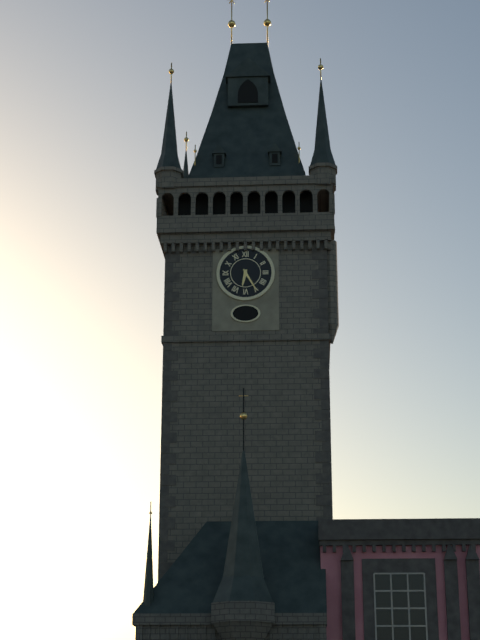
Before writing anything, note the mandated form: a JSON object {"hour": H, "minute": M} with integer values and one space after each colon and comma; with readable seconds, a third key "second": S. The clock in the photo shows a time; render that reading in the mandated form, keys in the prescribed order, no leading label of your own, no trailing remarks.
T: {"hour": 6, "minute": 25}
